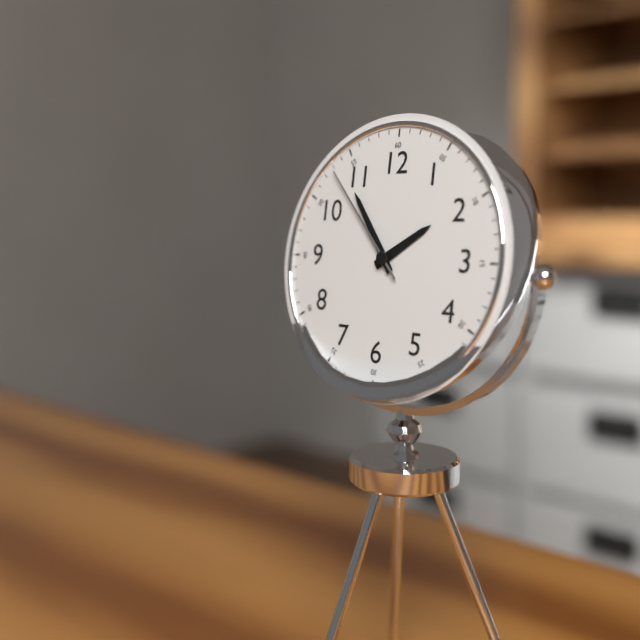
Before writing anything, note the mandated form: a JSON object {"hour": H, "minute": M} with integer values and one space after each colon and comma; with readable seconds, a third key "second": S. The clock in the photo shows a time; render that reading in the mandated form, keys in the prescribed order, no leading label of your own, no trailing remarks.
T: {"hour": 1, "minute": 54, "second": 53}
